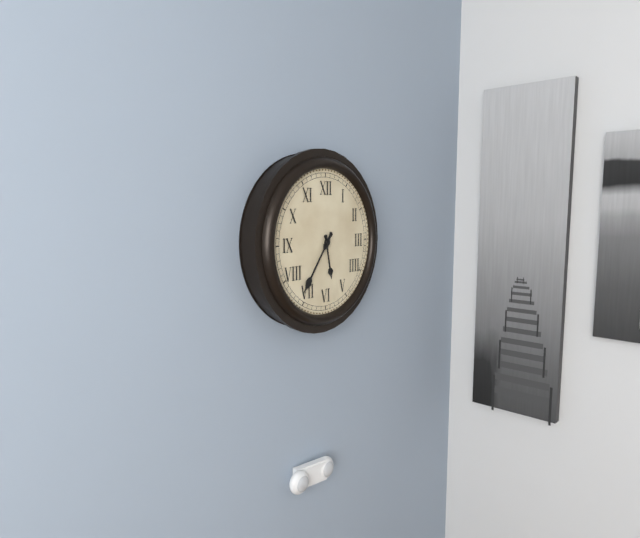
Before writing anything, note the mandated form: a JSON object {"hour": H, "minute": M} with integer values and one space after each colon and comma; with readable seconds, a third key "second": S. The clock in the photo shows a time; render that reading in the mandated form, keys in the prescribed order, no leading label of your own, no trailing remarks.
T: {"hour": 5, "minute": 36}
